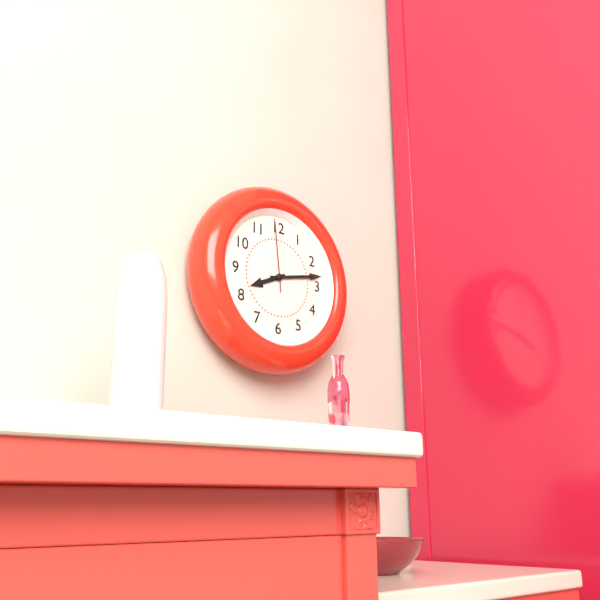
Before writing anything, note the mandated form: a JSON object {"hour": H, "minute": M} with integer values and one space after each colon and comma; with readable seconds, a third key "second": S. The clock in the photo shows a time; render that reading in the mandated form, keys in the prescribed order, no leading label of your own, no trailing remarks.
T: {"hour": 8, "minute": 13, "second": 59}
